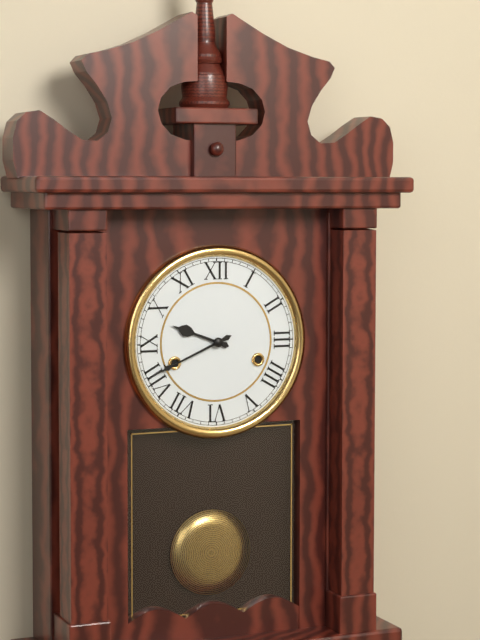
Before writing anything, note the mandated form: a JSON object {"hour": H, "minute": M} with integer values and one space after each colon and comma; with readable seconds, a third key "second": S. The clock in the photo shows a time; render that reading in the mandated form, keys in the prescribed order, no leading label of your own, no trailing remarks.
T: {"hour": 9, "minute": 41}
